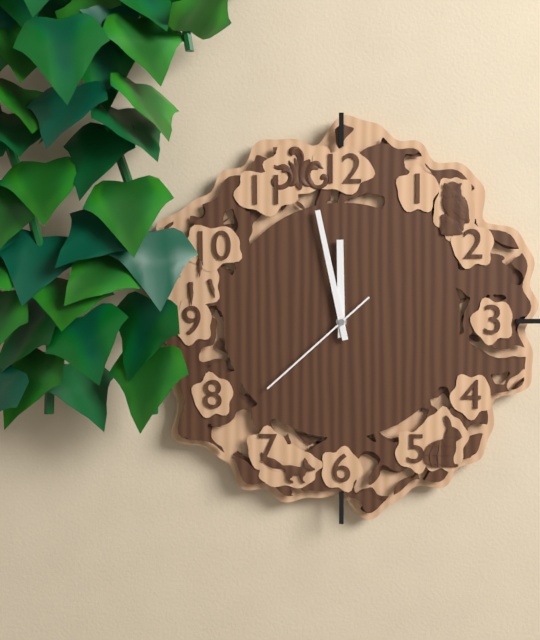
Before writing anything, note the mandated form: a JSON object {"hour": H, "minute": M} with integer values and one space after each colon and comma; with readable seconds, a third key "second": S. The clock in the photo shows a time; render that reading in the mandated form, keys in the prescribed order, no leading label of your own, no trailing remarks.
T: {"hour": 11, "minute": 58, "second": 38}
